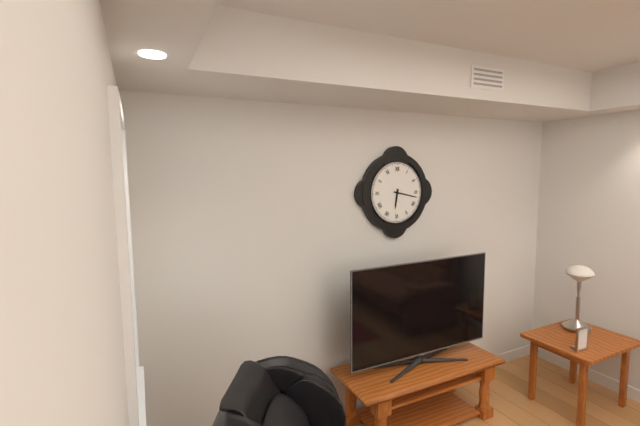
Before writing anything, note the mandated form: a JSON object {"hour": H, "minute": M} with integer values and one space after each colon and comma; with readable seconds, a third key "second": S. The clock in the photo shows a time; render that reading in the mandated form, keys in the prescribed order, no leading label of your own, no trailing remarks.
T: {"hour": 6, "minute": 17}
